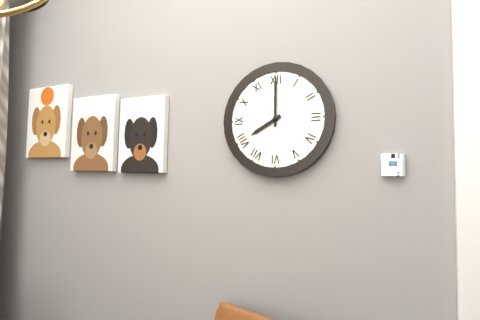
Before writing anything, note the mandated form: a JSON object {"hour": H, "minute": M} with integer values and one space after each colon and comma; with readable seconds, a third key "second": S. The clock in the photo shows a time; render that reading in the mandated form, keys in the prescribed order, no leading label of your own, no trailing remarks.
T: {"hour": 8, "minute": 0}
